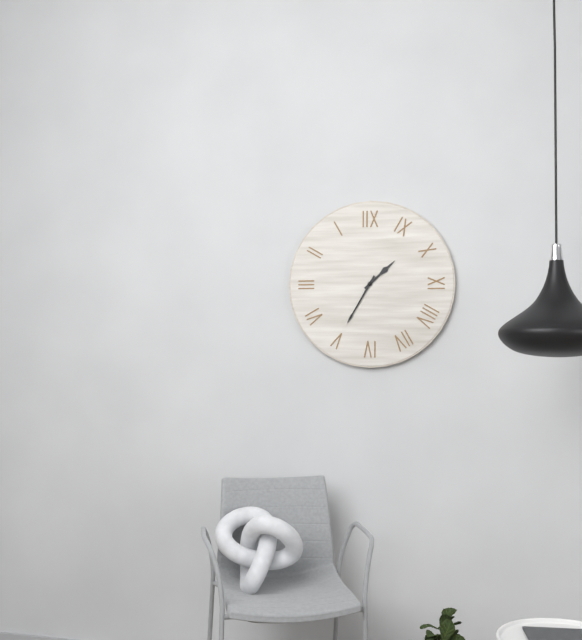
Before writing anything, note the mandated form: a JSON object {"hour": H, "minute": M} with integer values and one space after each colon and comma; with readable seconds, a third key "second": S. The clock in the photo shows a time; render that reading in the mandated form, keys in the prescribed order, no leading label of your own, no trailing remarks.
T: {"hour": 1, "minute": 35}
